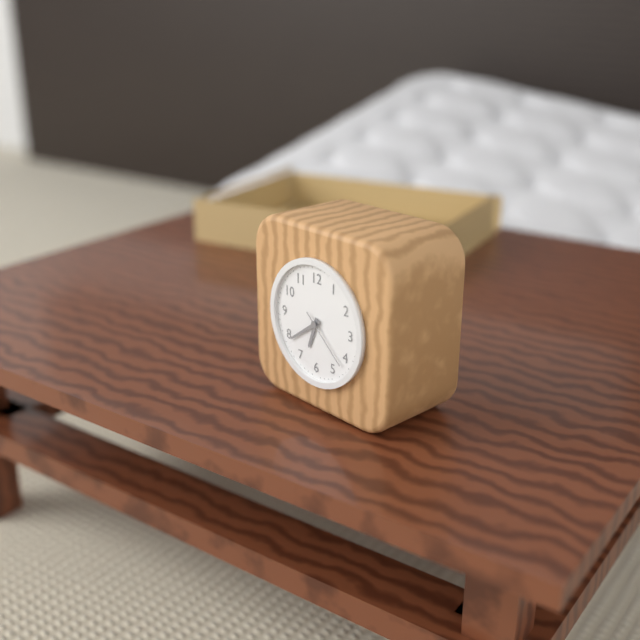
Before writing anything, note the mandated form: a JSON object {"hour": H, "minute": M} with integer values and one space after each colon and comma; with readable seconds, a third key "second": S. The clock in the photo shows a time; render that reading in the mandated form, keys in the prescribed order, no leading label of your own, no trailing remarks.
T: {"hour": 6, "minute": 39, "second": 22}
